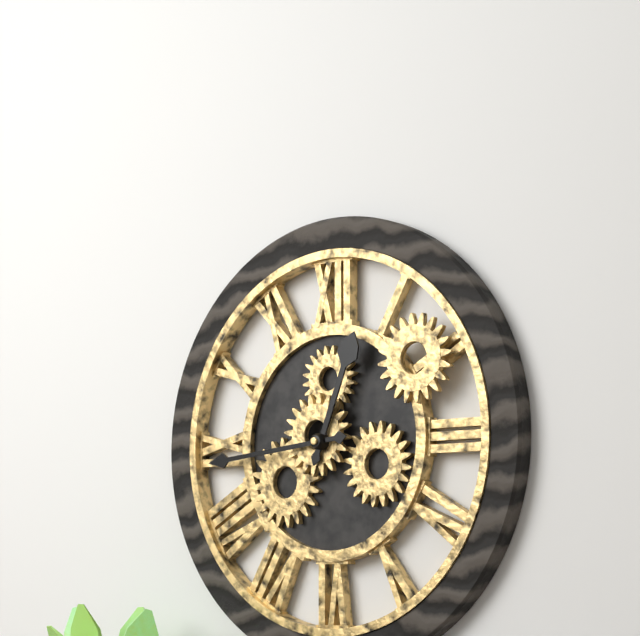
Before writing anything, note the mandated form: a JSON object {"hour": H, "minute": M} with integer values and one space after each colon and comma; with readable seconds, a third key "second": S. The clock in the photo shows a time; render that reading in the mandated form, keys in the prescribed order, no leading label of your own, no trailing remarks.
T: {"hour": 12, "minute": 44}
